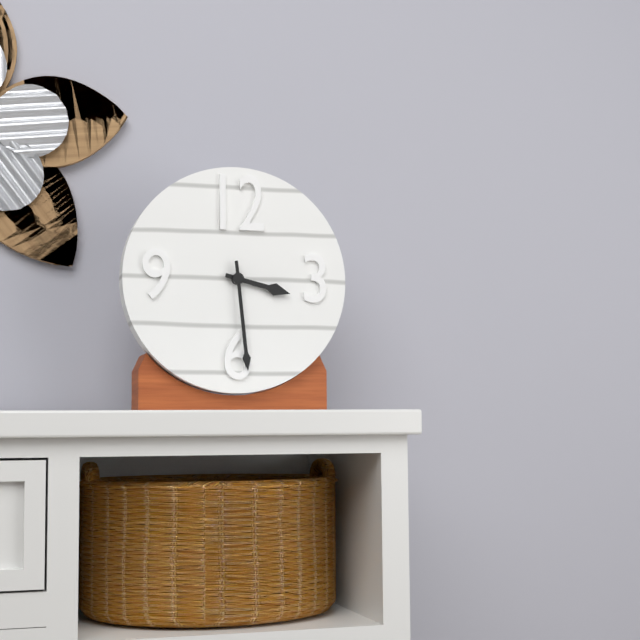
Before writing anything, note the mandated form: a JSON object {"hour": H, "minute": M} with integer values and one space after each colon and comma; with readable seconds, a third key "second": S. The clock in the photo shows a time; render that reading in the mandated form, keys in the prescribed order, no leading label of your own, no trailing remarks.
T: {"hour": 3, "minute": 29}
